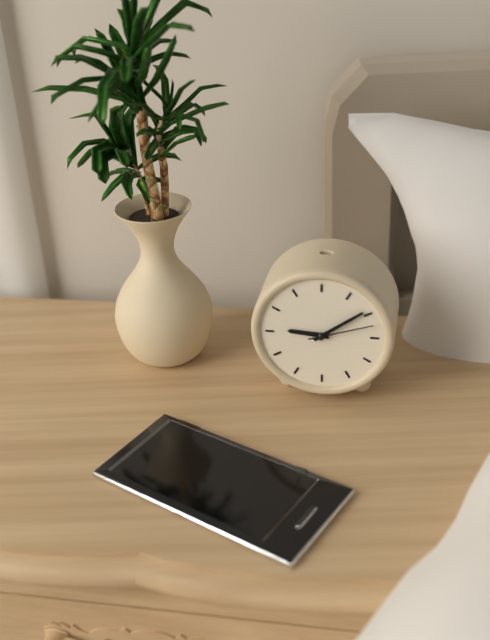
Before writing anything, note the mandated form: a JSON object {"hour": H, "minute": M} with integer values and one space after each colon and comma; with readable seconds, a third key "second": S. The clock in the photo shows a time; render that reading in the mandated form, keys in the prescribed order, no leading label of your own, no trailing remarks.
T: {"hour": 9, "minute": 9, "second": 12}
